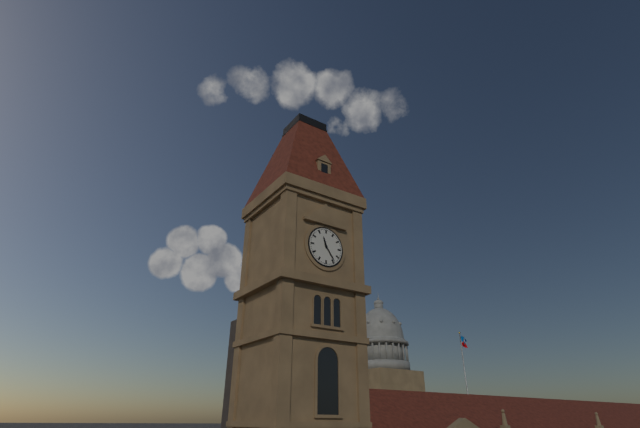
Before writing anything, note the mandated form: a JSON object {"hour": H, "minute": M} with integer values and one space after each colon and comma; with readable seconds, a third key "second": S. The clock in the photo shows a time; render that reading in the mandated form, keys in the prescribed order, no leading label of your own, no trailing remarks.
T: {"hour": 11, "minute": 24}
